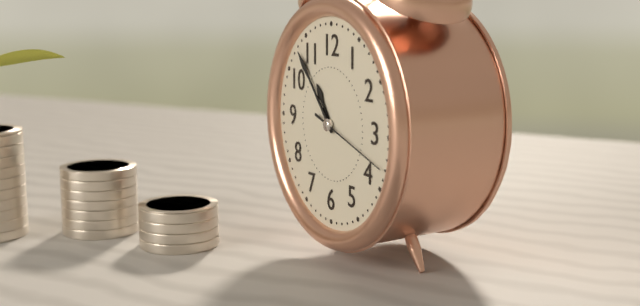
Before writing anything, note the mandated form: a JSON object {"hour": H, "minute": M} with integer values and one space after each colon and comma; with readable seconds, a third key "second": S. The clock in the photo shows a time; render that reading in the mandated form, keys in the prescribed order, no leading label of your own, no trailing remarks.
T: {"hour": 10, "minute": 53, "second": 18}
